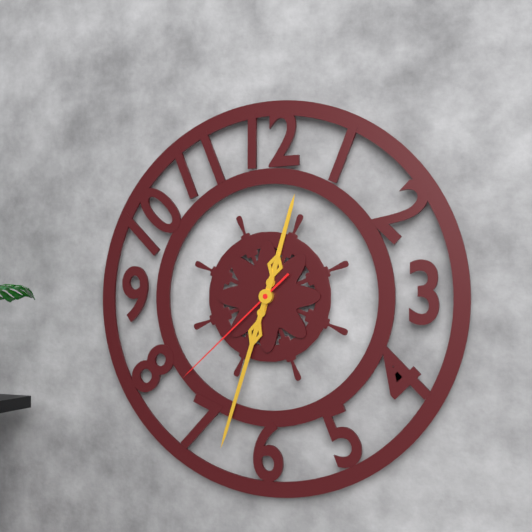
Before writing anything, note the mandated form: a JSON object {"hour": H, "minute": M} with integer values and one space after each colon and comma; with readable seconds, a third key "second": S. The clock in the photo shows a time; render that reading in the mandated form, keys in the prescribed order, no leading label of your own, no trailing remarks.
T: {"hour": 12, "minute": 33, "second": 38}
